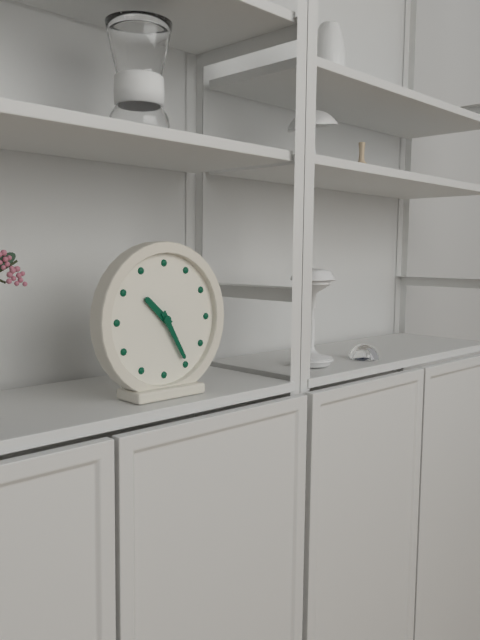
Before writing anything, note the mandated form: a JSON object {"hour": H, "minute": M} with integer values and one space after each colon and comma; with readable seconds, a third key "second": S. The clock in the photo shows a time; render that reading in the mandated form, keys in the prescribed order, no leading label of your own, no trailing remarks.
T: {"hour": 10, "minute": 25}
